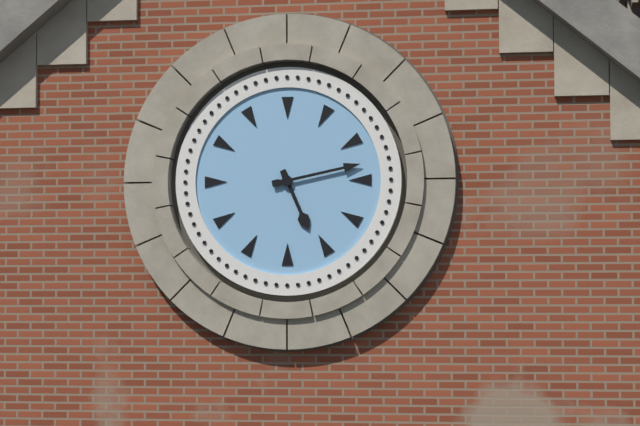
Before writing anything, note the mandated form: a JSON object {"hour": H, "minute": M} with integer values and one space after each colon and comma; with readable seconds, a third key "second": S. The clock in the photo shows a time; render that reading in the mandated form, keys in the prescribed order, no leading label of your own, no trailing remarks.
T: {"hour": 5, "minute": 13}
